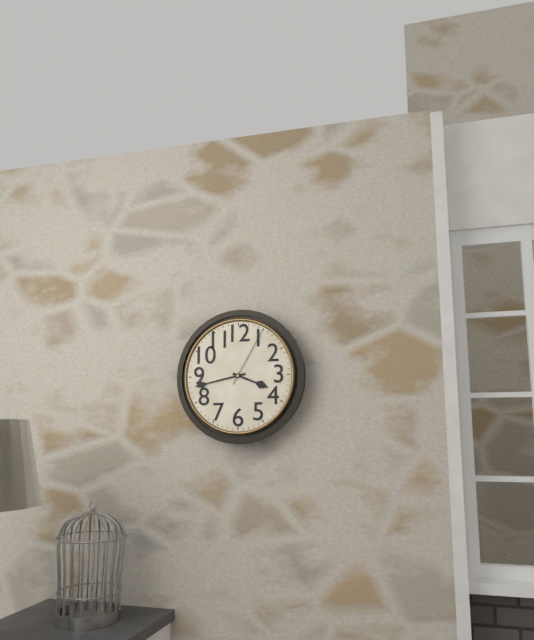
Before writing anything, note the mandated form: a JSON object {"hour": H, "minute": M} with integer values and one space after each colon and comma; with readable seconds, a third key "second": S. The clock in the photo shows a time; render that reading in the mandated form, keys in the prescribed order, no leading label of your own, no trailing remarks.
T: {"hour": 3, "minute": 43, "second": 5}
